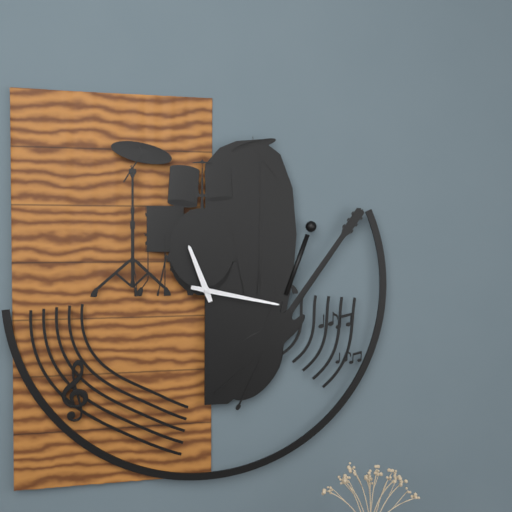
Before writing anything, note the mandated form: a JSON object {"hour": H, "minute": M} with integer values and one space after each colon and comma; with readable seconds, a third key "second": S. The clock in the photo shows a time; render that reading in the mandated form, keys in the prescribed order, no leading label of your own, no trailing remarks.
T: {"hour": 11, "minute": 17}
